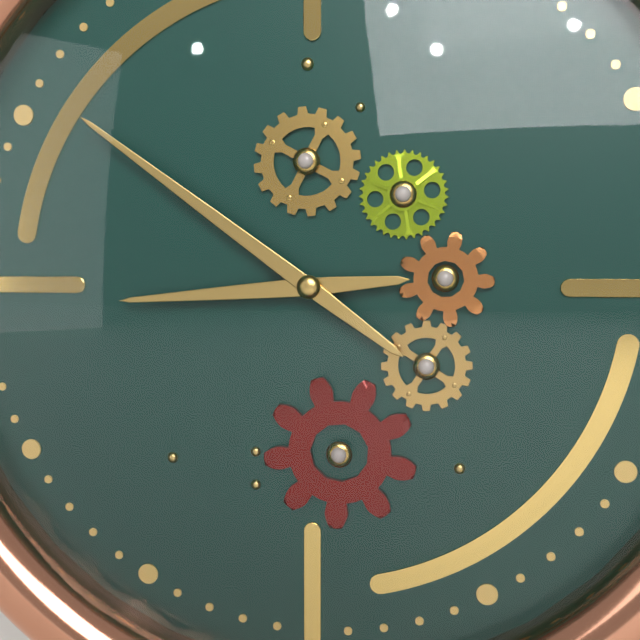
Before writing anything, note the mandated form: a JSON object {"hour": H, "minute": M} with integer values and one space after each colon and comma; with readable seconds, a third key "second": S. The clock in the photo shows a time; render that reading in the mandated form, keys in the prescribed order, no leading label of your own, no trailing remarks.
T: {"hour": 8, "minute": 51}
